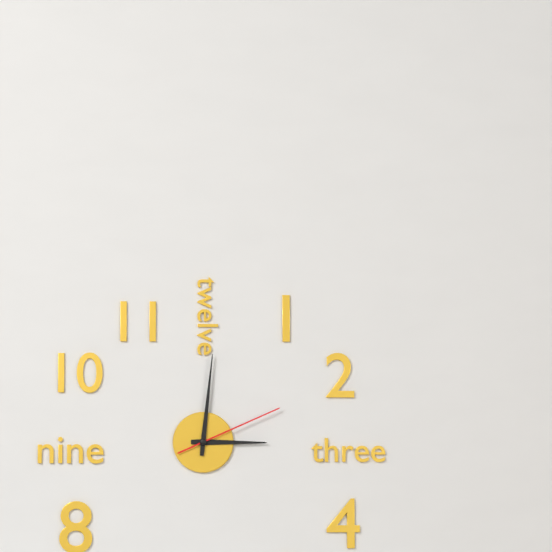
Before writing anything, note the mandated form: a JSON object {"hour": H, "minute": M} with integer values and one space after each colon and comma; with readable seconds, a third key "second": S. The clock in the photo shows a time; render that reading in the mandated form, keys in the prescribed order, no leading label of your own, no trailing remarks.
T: {"hour": 3, "minute": 1, "second": 11}
